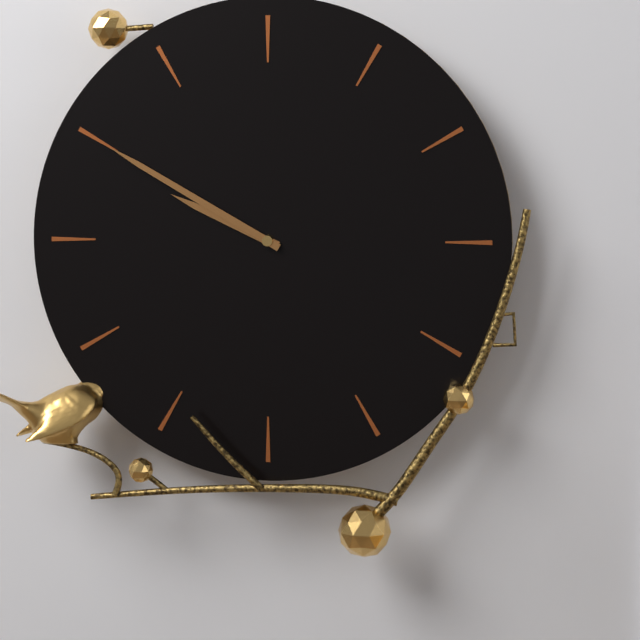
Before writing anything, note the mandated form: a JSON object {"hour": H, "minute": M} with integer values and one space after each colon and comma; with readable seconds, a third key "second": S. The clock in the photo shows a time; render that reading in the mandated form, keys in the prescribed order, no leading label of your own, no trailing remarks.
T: {"hour": 9, "minute": 50}
